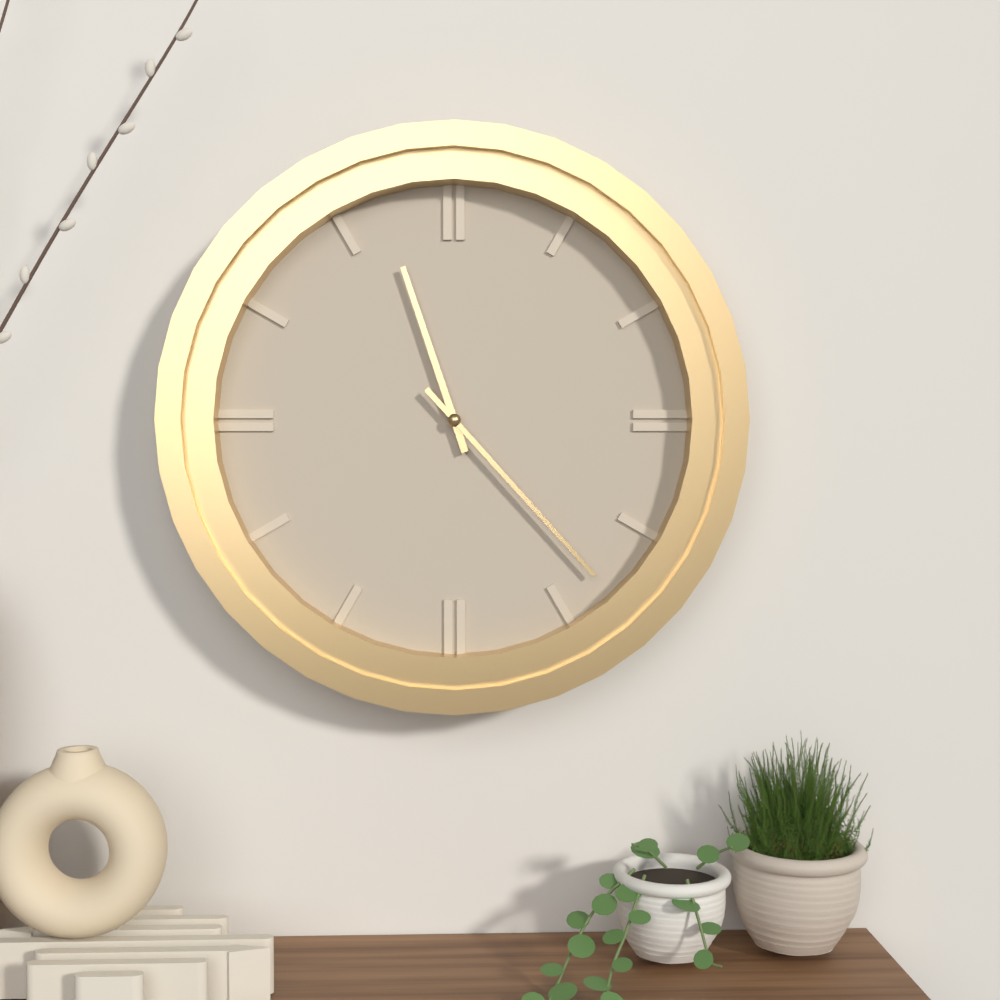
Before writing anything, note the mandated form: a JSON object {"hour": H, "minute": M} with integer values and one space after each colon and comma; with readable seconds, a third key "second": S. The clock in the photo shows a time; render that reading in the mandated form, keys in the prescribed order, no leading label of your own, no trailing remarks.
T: {"hour": 11, "minute": 23}
